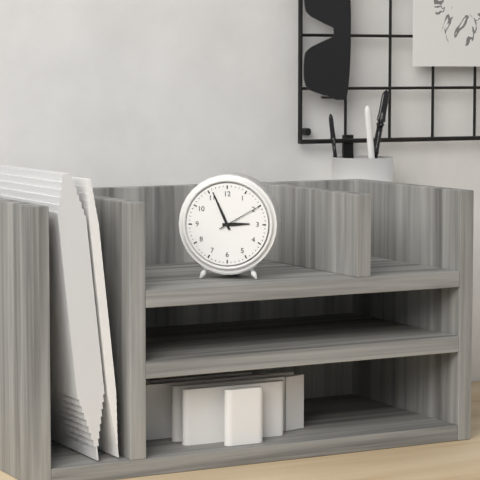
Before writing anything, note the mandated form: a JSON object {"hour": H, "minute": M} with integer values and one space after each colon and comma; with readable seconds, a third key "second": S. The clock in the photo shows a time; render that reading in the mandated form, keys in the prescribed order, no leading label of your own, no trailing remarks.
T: {"hour": 2, "minute": 56}
